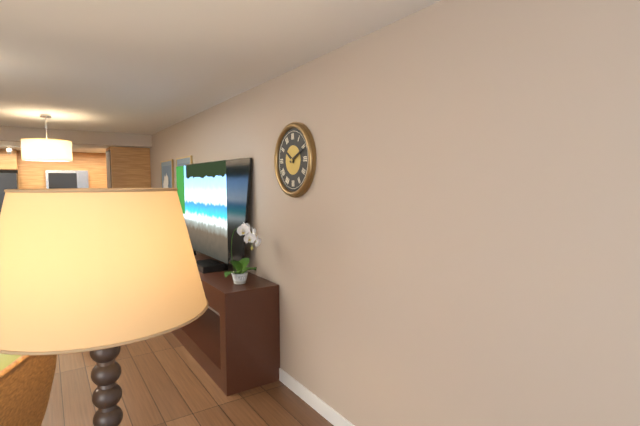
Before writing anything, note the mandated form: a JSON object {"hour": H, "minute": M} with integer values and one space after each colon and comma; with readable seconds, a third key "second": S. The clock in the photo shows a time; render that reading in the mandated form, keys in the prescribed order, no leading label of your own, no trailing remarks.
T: {"hour": 10, "minute": 11}
